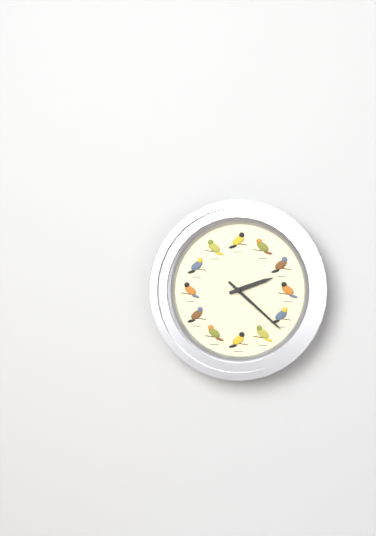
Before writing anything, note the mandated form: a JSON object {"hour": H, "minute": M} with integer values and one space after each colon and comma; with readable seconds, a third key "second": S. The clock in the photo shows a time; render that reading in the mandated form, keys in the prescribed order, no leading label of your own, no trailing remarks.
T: {"hour": 2, "minute": 22}
